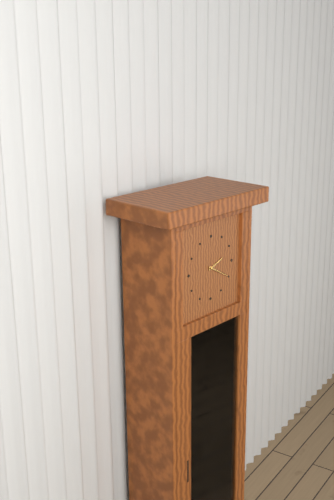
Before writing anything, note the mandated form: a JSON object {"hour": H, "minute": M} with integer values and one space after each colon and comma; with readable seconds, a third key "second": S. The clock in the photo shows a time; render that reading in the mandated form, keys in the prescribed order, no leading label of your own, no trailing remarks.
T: {"hour": 2, "minute": 20}
